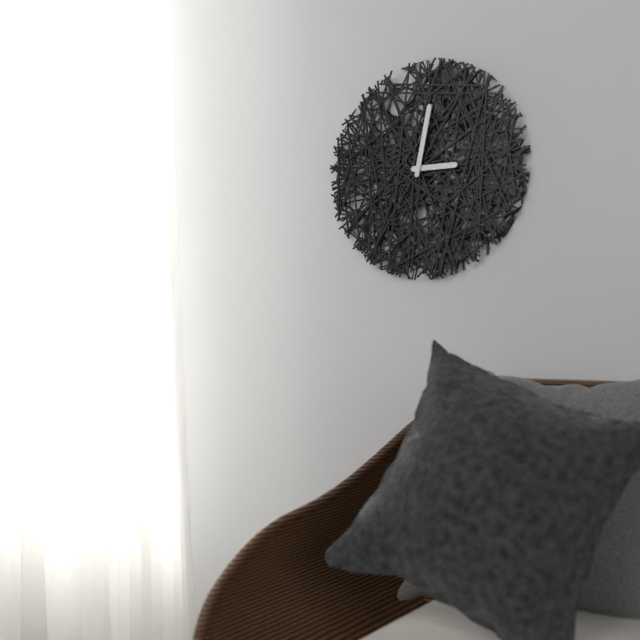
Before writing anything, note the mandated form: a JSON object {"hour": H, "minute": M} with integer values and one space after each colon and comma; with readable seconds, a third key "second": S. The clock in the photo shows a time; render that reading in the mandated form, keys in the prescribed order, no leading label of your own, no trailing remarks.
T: {"hour": 3, "minute": 2}
